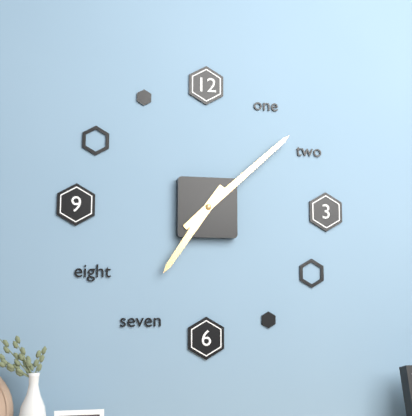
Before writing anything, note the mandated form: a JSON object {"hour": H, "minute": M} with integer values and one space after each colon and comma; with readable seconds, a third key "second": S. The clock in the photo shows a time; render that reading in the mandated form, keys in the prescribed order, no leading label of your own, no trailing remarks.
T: {"hour": 7, "minute": 8}
